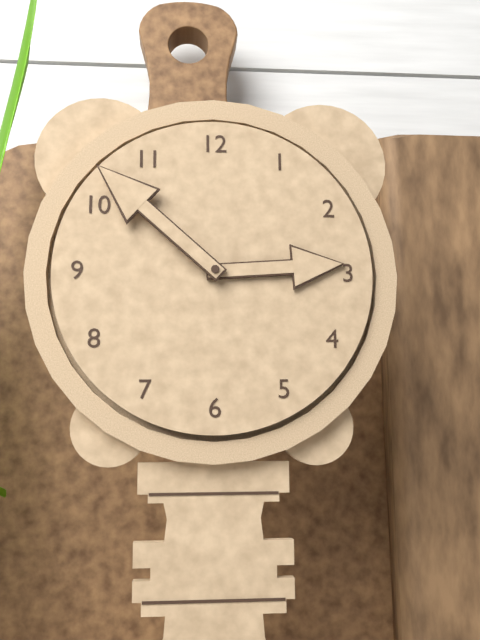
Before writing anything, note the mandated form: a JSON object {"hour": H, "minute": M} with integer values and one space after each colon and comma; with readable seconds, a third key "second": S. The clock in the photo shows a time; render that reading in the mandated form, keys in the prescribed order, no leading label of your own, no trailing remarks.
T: {"hour": 2, "minute": 52}
